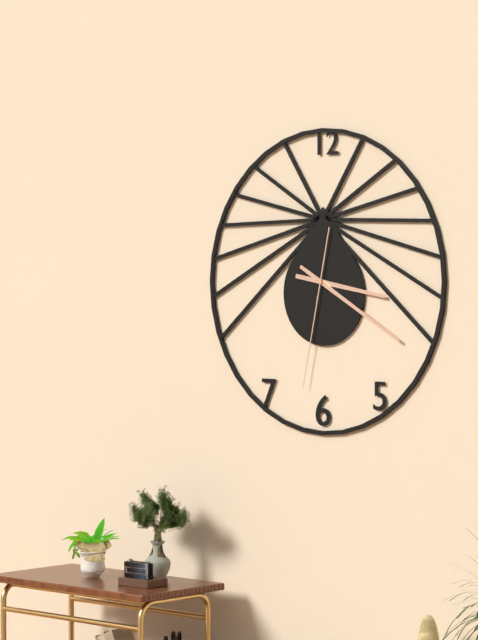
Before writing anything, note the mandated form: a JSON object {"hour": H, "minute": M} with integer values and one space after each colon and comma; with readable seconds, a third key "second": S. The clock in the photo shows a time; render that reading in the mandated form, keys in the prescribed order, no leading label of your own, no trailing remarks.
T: {"hour": 3, "minute": 20, "second": 32}
